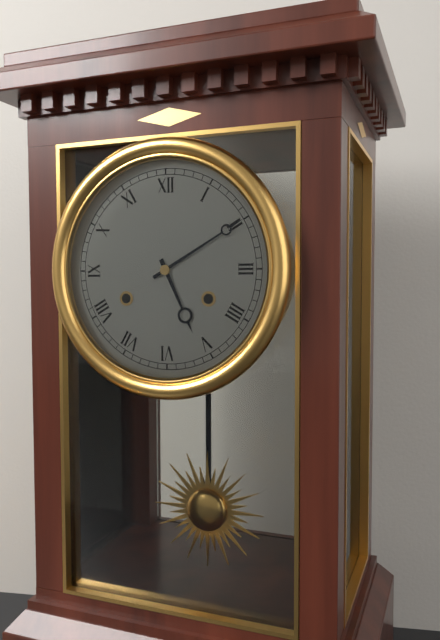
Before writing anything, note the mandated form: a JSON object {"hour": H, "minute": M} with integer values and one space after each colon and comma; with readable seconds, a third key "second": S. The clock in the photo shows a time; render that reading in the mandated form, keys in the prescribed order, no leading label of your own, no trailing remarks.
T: {"hour": 5, "minute": 10}
